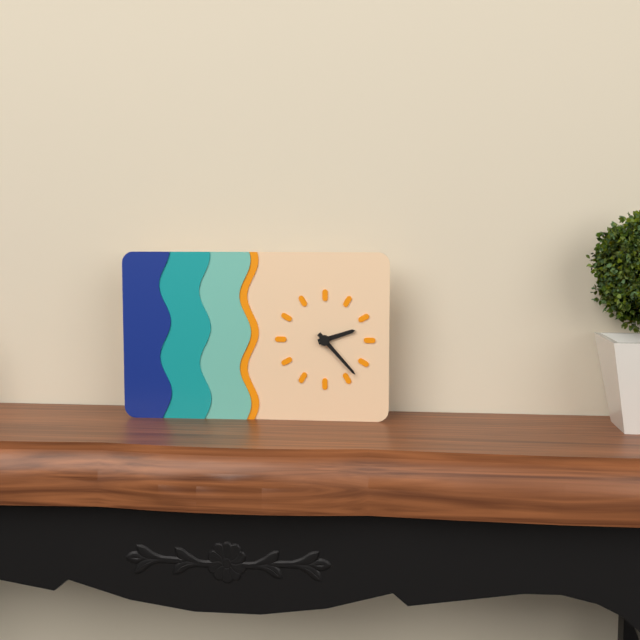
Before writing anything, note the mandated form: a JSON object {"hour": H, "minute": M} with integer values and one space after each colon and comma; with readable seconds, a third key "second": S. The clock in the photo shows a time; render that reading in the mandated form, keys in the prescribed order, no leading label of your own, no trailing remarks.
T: {"hour": 2, "minute": 23}
